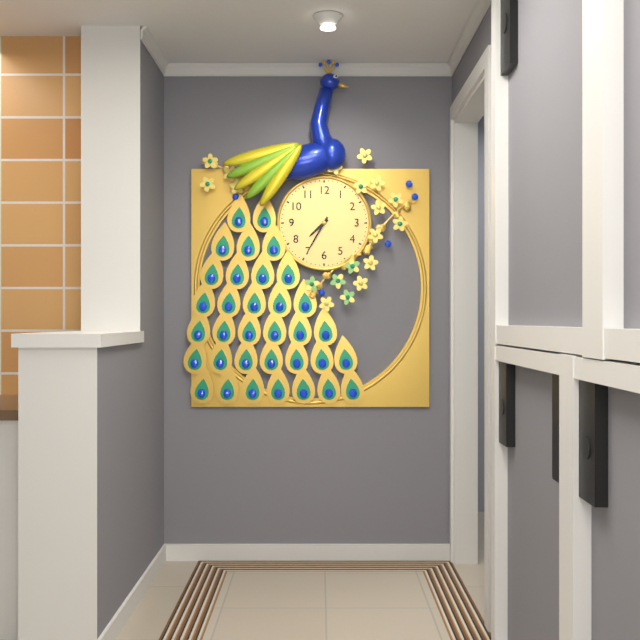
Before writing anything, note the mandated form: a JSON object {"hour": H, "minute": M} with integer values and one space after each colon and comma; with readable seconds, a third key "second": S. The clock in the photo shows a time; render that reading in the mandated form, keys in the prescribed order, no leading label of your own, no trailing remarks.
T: {"hour": 7, "minute": 35}
